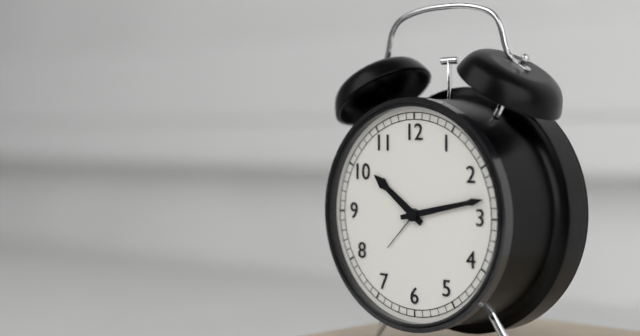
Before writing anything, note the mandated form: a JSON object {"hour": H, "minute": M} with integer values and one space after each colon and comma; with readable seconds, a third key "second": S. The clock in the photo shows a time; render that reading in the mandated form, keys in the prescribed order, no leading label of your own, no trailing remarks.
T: {"hour": 10, "minute": 13}
